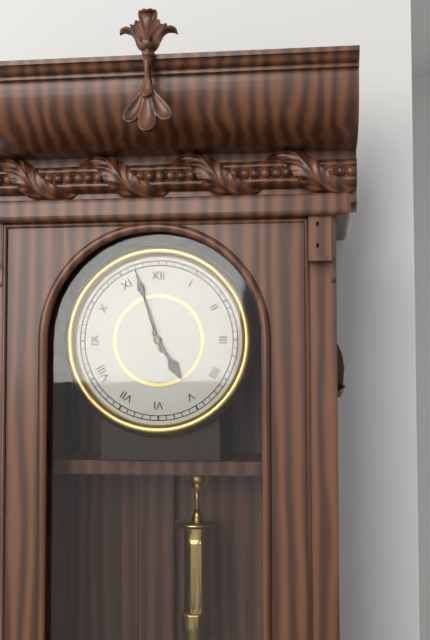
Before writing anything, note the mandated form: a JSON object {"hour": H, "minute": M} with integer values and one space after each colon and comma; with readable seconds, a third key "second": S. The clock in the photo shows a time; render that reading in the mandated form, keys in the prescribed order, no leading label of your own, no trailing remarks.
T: {"hour": 4, "minute": 57}
